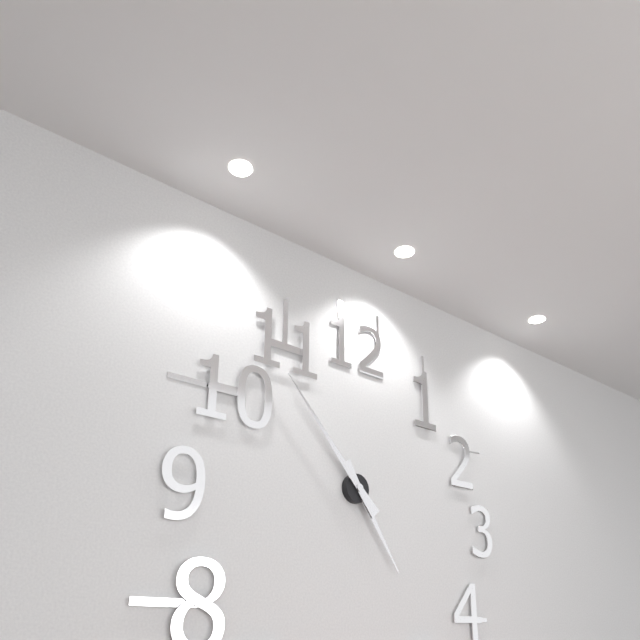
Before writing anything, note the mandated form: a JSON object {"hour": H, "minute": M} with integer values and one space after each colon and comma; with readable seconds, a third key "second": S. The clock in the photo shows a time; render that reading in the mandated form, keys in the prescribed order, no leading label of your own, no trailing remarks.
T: {"hour": 4, "minute": 53}
